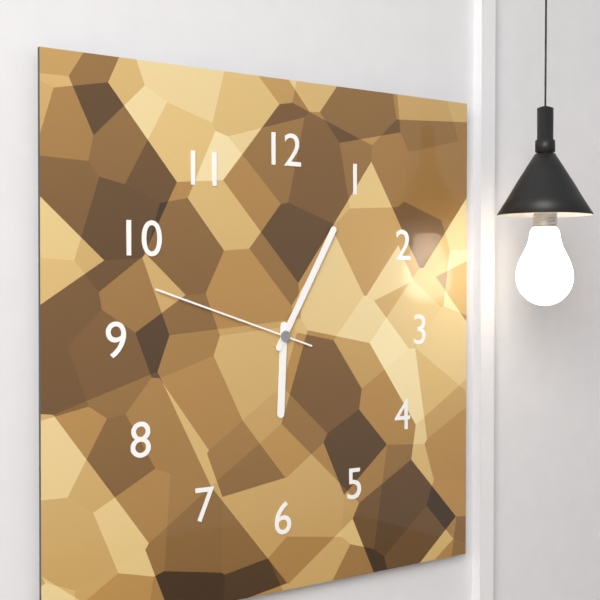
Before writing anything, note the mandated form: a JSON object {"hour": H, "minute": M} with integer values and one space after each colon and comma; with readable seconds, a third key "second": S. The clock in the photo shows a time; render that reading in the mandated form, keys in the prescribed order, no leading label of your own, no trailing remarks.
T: {"hour": 6, "minute": 5, "second": 48}
